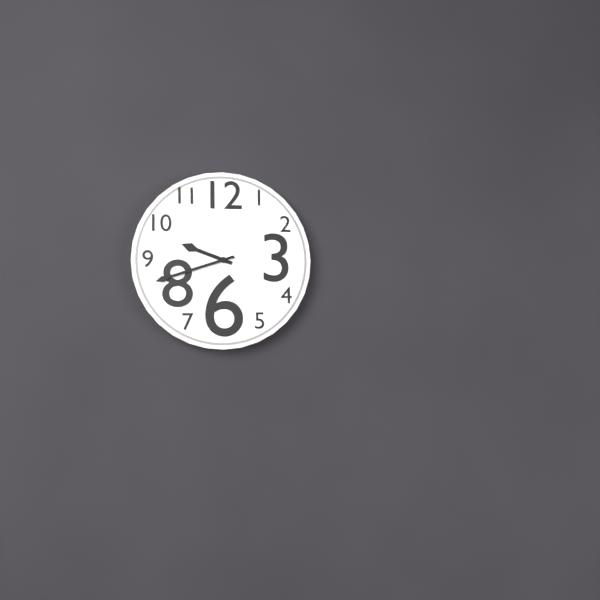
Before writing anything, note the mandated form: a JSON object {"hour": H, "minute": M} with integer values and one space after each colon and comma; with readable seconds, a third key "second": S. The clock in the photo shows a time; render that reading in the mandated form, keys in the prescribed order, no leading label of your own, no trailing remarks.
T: {"hour": 9, "minute": 42}
